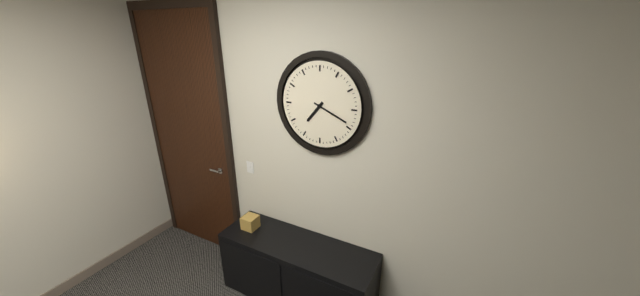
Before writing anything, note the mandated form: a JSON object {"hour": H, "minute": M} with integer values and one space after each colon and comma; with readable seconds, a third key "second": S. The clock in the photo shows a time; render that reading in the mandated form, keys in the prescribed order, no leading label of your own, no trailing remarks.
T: {"hour": 7, "minute": 19}
